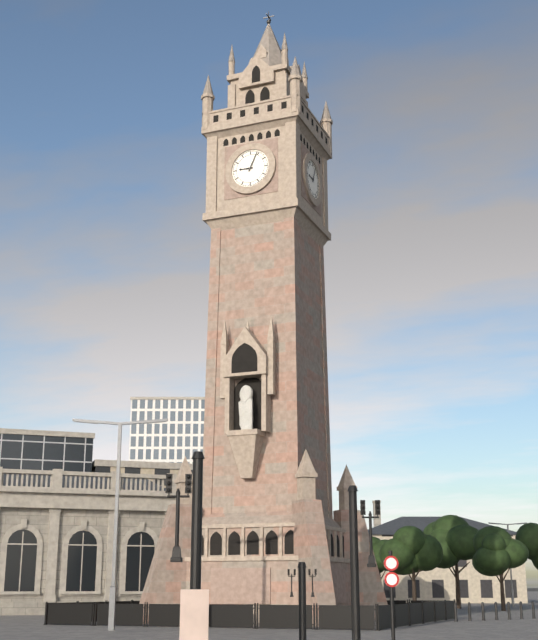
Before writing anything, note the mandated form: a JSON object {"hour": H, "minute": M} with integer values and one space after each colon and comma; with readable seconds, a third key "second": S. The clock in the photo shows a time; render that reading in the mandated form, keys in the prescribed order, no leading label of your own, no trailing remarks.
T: {"hour": 9, "minute": 4}
